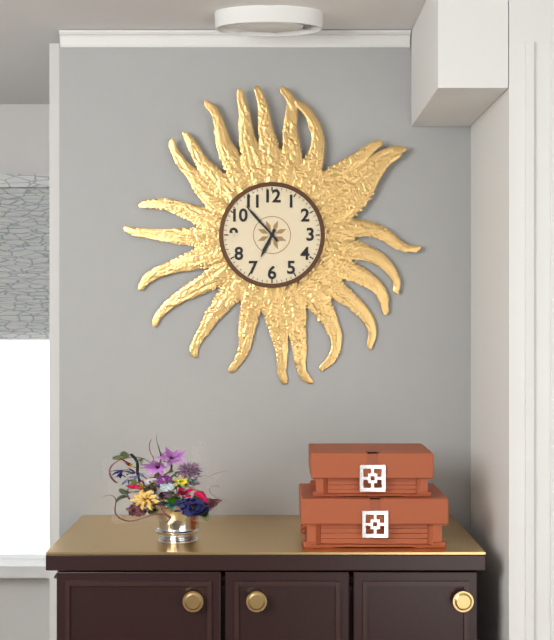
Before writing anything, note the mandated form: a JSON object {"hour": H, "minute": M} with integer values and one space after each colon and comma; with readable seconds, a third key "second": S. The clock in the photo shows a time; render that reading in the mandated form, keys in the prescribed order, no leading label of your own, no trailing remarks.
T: {"hour": 6, "minute": 53}
